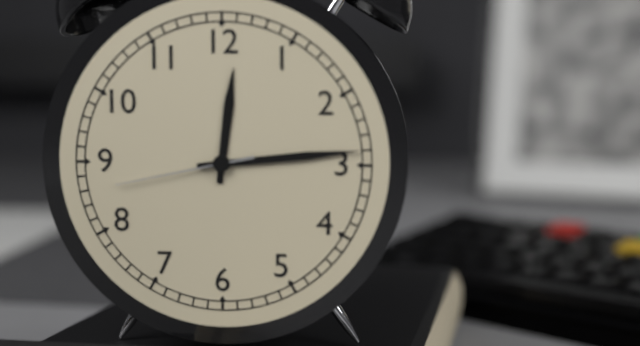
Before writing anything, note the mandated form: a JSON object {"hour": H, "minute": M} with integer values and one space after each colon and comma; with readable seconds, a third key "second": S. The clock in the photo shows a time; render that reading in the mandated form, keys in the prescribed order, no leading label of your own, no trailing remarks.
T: {"hour": 12, "minute": 14, "second": 43}
